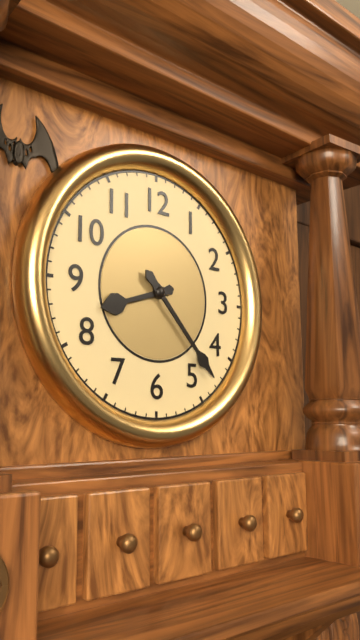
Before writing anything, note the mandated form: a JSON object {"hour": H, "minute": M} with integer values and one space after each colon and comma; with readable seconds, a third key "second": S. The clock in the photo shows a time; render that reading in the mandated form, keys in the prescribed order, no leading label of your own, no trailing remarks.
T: {"hour": 8, "minute": 23}
